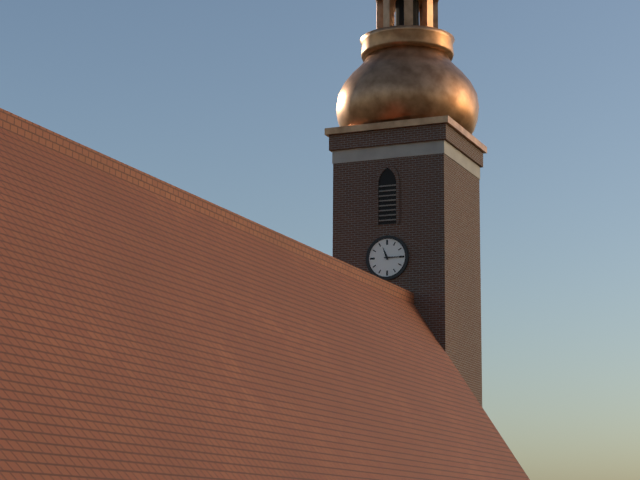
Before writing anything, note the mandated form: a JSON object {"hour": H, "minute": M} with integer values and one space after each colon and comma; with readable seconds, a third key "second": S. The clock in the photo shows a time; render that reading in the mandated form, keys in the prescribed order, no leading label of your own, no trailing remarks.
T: {"hour": 11, "minute": 15}
